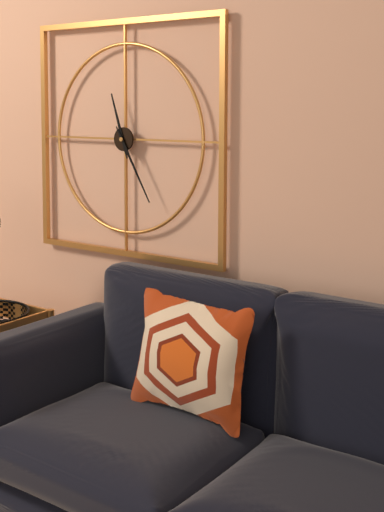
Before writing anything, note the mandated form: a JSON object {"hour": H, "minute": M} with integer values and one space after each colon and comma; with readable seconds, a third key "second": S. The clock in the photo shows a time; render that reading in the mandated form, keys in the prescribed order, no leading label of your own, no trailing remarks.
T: {"hour": 11, "minute": 25}
